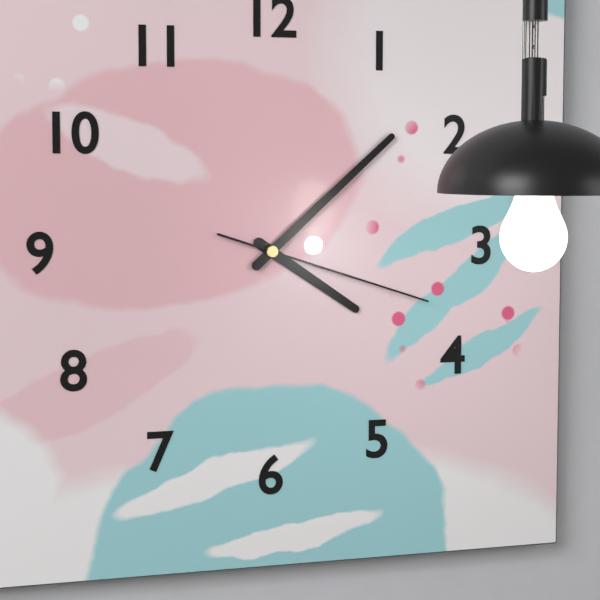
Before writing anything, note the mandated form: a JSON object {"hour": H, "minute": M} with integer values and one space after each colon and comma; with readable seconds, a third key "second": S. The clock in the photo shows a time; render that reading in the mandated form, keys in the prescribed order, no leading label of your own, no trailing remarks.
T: {"hour": 4, "minute": 8, "second": 18}
